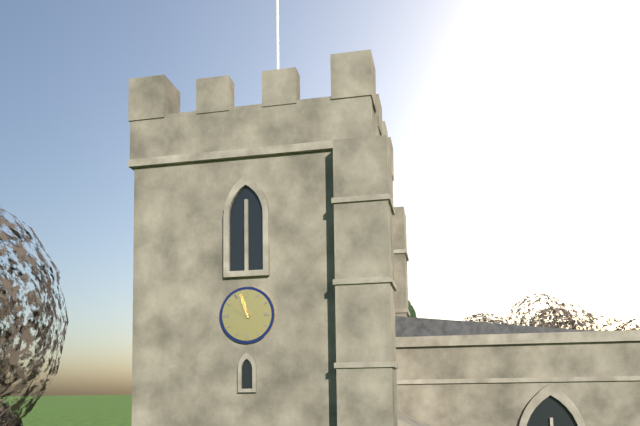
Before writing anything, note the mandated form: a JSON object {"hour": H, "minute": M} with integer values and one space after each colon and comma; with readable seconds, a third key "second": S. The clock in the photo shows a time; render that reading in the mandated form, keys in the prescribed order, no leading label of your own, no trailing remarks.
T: {"hour": 9, "minute": 57}
